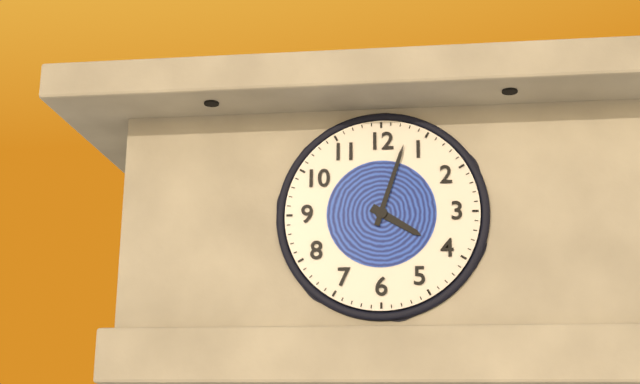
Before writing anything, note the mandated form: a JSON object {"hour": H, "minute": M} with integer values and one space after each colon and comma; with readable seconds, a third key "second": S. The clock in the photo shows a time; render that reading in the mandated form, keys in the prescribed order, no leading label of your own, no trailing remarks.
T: {"hour": 4, "minute": 3}
